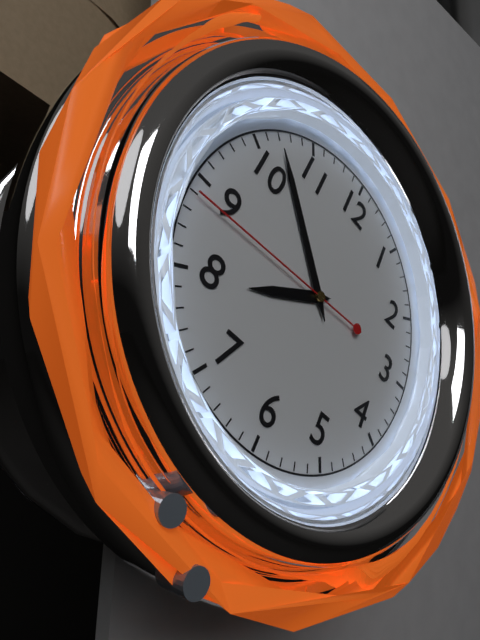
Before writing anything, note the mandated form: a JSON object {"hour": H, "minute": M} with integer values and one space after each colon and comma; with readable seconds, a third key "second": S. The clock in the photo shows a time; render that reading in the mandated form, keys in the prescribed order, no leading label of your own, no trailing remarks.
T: {"hour": 7, "minute": 52, "second": 44}
